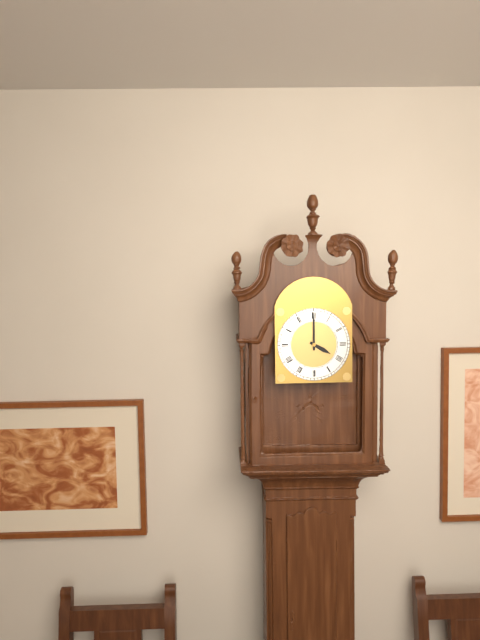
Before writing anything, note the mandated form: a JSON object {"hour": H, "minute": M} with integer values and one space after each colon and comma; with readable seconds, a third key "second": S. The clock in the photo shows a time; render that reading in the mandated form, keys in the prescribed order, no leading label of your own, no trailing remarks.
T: {"hour": 4, "minute": 0}
